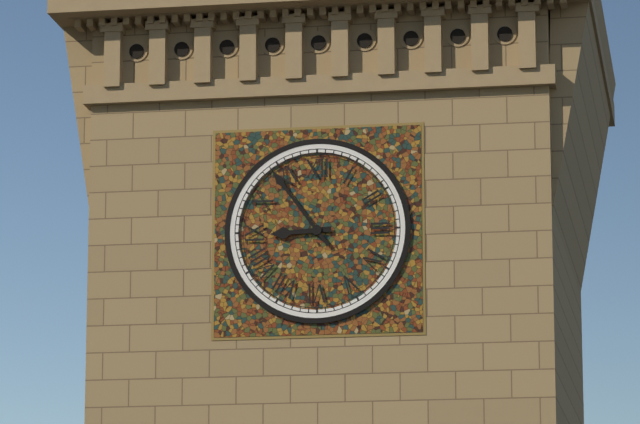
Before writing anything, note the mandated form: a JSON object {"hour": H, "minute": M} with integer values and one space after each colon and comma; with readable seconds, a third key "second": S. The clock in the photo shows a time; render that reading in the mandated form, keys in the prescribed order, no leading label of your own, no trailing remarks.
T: {"hour": 8, "minute": 54}
